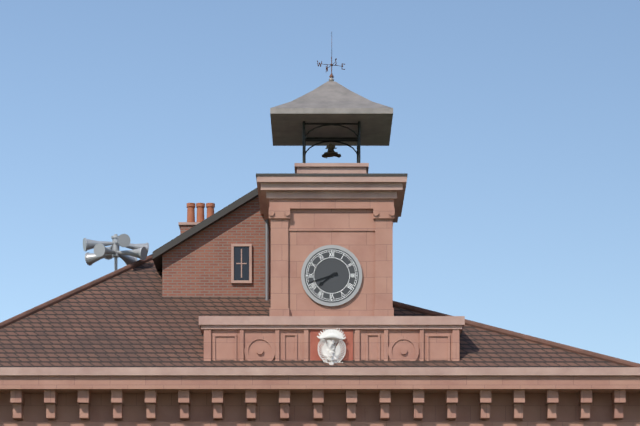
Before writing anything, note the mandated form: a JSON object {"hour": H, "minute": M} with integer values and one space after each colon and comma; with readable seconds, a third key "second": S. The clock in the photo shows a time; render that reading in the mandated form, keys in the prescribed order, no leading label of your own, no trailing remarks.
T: {"hour": 7, "minute": 42}
